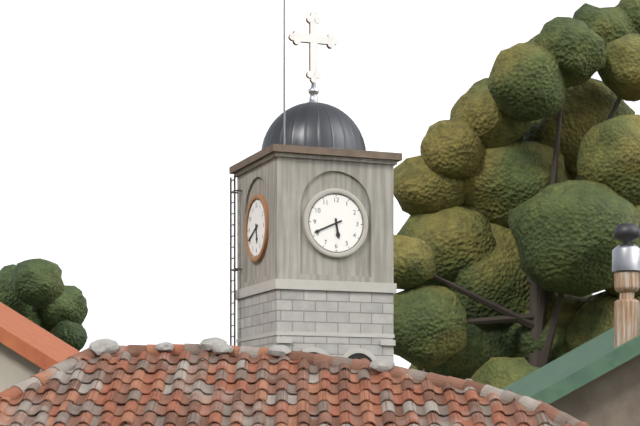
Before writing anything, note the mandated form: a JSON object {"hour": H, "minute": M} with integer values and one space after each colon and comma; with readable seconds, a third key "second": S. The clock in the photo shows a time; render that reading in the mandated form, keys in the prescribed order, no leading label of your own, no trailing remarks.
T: {"hour": 5, "minute": 41}
